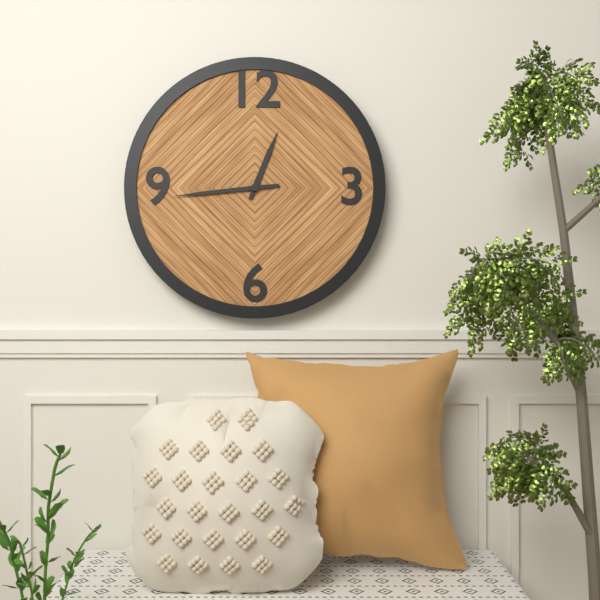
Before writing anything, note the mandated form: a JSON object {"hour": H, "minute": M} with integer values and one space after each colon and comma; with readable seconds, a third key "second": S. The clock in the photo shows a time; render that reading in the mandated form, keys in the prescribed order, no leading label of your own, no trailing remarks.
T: {"hour": 12, "minute": 44}
